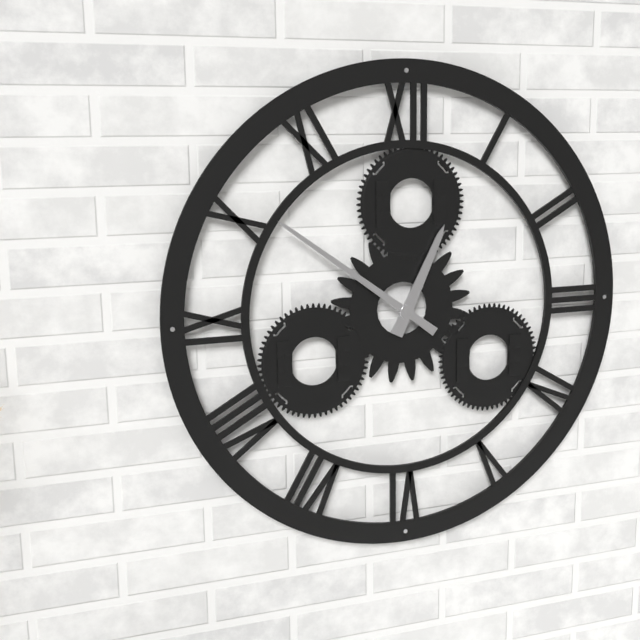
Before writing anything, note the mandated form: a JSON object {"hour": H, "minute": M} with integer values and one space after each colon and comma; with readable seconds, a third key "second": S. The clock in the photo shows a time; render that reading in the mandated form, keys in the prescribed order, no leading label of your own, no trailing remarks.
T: {"hour": 12, "minute": 51}
